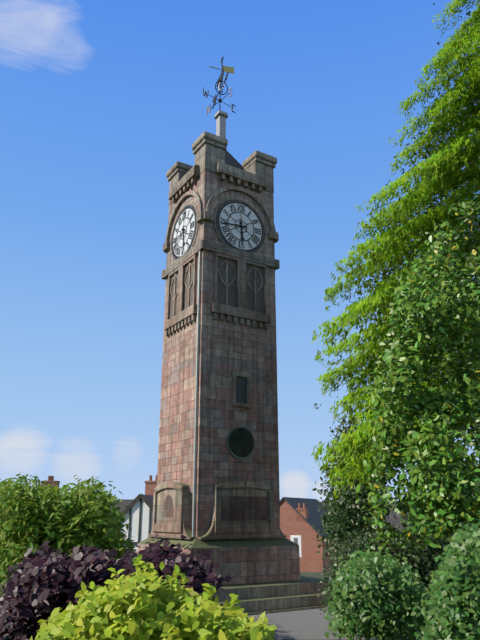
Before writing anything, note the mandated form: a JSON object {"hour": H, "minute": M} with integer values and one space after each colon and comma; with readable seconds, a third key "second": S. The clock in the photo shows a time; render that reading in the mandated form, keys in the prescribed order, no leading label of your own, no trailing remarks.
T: {"hour": 5, "minute": 44}
